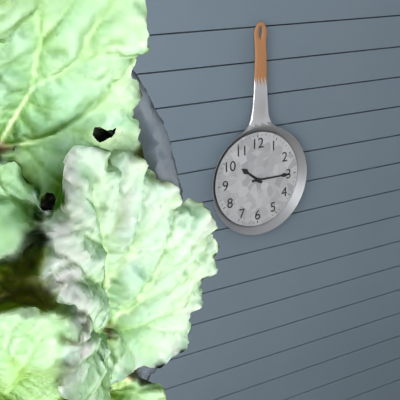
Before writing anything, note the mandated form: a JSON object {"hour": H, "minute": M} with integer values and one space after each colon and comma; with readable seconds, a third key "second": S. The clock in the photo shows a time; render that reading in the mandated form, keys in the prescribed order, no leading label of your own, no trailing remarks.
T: {"hour": 10, "minute": 15}
